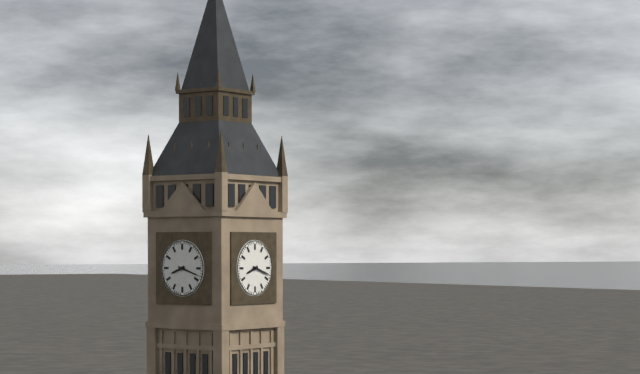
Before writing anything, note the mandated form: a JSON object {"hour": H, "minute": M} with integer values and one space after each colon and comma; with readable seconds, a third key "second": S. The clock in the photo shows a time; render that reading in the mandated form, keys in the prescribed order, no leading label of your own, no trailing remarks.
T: {"hour": 8, "minute": 18}
